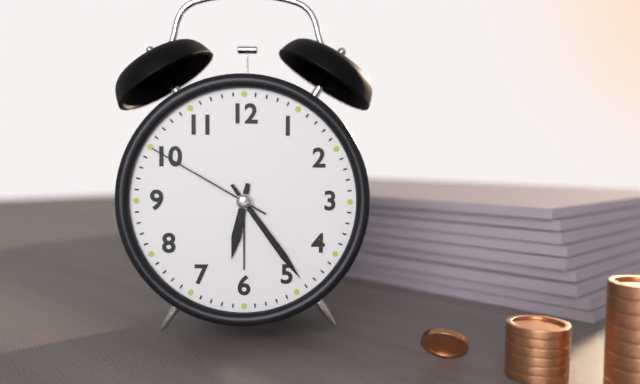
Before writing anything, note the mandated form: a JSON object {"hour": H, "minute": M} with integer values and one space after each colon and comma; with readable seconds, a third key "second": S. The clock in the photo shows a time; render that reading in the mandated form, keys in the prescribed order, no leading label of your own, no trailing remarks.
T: {"hour": 6, "minute": 24, "second": 50}
